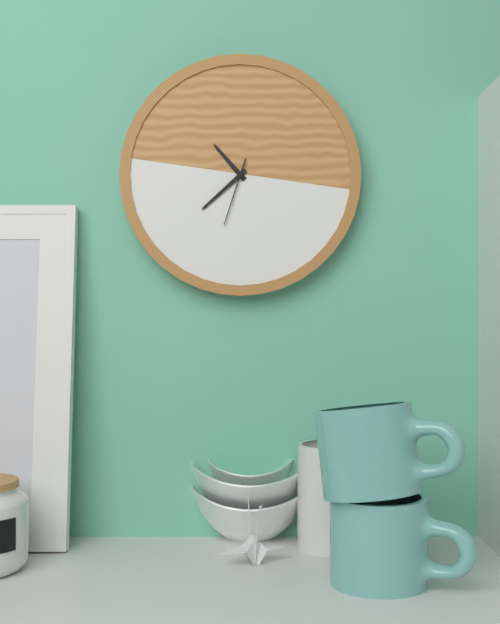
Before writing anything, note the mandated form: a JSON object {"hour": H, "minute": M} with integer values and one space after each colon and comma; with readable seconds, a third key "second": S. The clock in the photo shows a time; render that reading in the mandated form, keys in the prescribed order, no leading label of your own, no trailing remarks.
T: {"hour": 10, "minute": 38, "second": 33}
